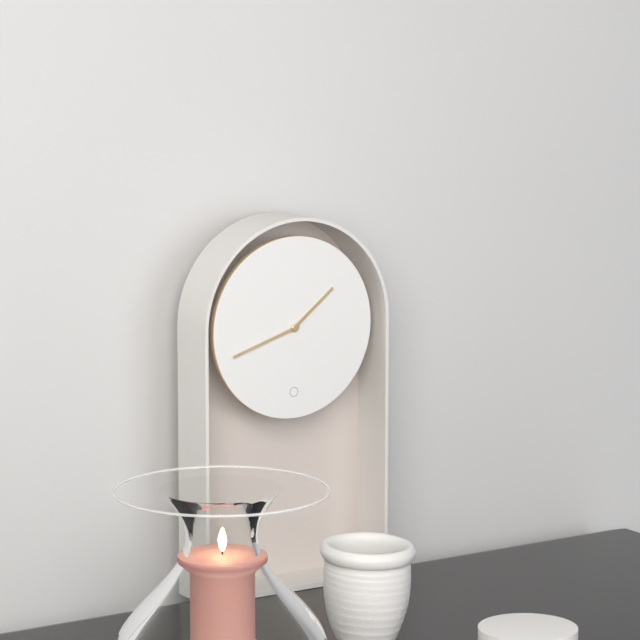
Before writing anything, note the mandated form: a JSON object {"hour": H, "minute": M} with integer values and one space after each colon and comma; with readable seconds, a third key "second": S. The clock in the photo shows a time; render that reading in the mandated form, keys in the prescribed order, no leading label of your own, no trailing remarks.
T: {"hour": 1, "minute": 42}
